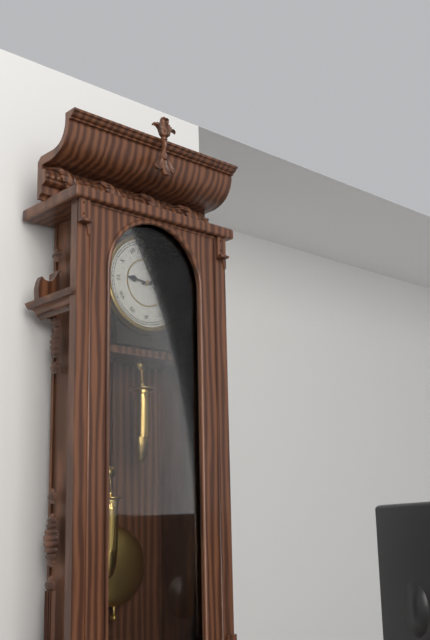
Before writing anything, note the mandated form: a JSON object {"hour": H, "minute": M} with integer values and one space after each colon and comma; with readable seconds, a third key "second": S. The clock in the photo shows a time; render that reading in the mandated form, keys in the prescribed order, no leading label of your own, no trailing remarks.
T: {"hour": 9, "minute": 12}
